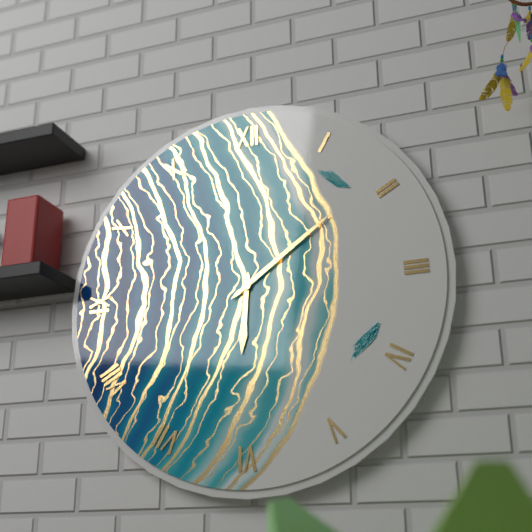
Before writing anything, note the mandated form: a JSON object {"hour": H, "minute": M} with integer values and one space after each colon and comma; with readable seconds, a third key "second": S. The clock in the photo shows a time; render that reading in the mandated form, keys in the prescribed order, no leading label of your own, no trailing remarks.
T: {"hour": 6, "minute": 9}
